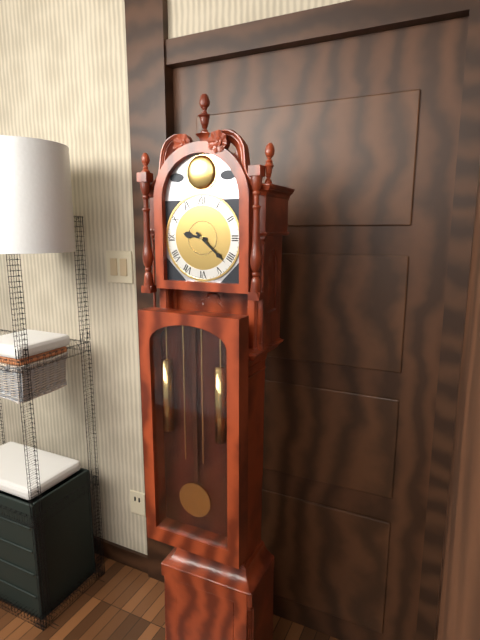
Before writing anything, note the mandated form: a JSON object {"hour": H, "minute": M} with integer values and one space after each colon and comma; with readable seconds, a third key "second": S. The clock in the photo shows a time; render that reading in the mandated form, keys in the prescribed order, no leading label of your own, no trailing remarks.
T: {"hour": 9, "minute": 22}
